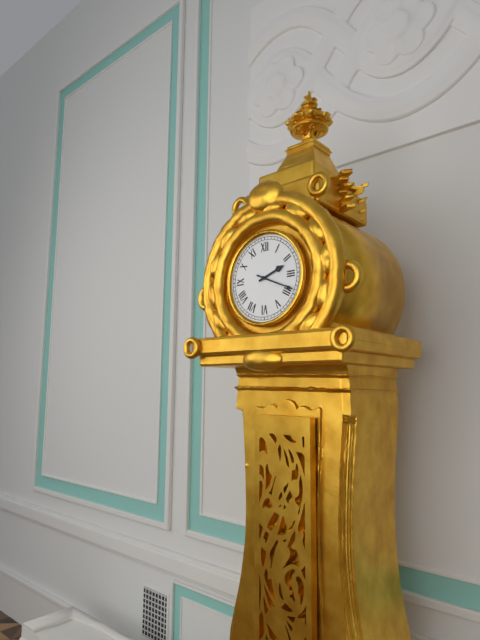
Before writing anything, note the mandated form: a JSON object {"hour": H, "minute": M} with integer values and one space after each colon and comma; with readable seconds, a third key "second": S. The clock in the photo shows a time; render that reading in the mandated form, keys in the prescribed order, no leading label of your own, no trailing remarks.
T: {"hour": 2, "minute": 19}
